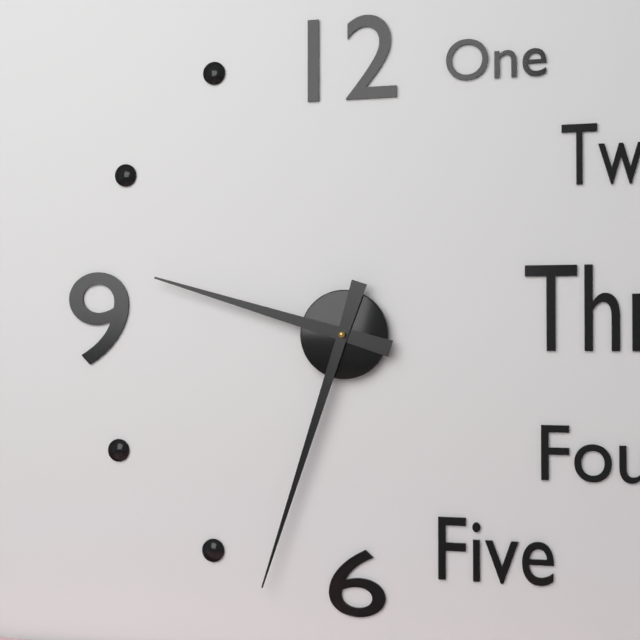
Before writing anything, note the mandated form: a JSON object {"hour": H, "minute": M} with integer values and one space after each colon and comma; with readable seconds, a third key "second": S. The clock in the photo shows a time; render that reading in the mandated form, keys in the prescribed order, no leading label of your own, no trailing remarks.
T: {"hour": 9, "minute": 33}
